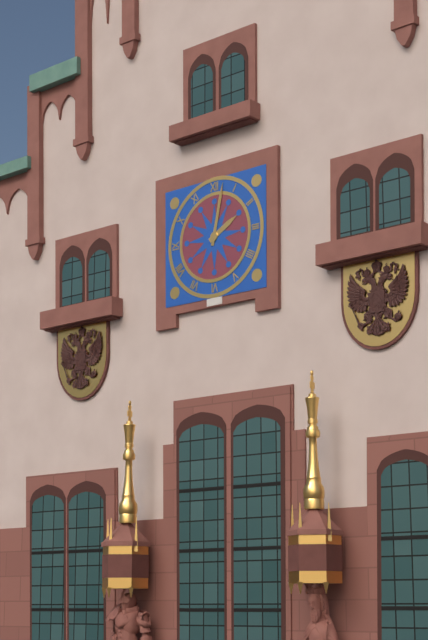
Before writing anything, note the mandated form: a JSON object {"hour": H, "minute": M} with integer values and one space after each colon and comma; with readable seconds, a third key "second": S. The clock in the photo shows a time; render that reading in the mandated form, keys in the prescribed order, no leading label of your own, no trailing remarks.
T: {"hour": 2, "minute": 2}
